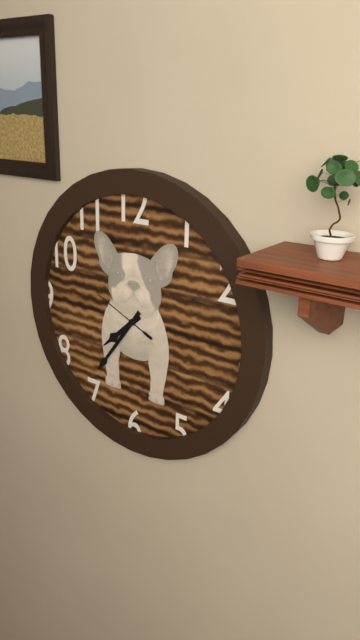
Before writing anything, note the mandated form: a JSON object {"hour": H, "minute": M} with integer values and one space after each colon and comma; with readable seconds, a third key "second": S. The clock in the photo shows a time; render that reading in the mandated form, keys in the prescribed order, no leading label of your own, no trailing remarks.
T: {"hour": 7, "minute": 36, "second": 49}
